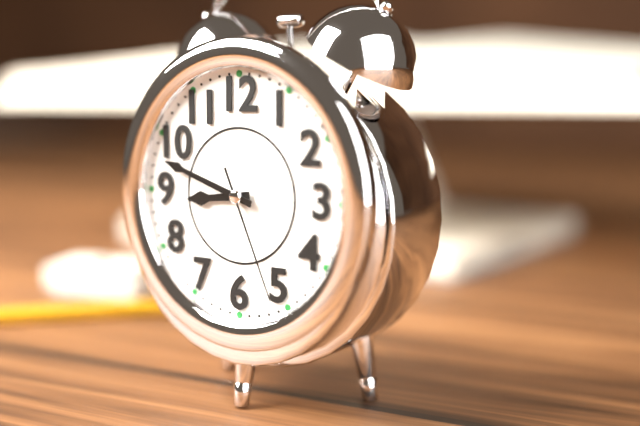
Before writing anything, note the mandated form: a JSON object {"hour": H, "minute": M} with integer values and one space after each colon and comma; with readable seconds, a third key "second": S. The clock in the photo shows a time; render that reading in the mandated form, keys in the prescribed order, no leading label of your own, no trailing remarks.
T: {"hour": 8, "minute": 48, "second": 26}
